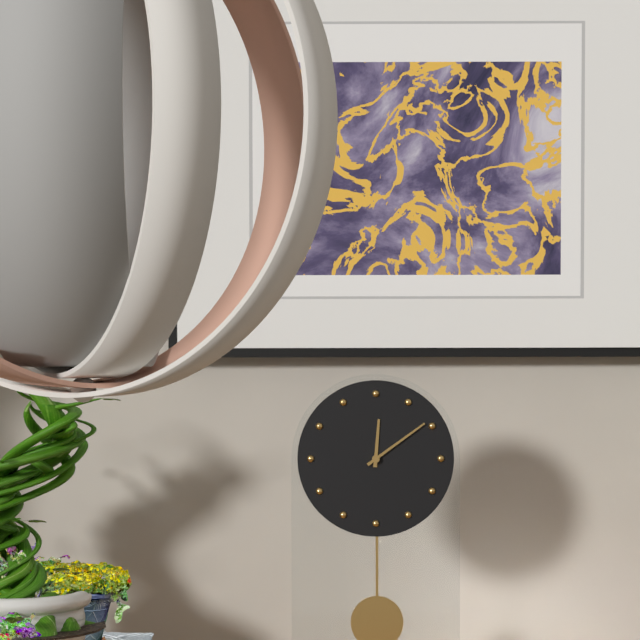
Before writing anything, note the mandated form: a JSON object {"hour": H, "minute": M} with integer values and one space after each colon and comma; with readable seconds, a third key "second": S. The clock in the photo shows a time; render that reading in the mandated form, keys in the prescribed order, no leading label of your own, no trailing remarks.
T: {"hour": 12, "minute": 9}
